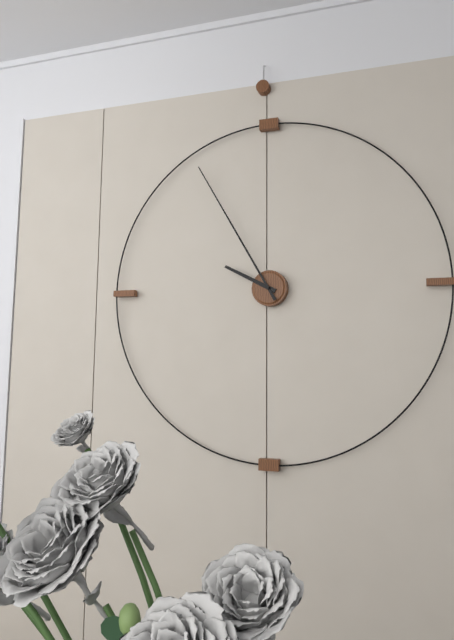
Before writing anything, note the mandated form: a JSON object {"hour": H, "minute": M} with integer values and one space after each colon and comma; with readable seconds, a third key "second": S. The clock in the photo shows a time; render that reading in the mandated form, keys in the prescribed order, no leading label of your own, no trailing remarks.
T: {"hour": 9, "minute": 55}
